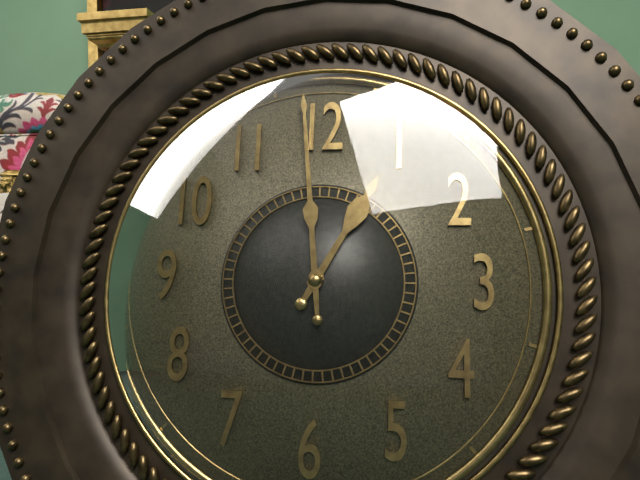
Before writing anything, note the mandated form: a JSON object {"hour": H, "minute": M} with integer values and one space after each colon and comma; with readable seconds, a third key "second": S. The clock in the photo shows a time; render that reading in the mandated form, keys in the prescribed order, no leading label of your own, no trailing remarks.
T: {"hour": 12, "minute": 59}
